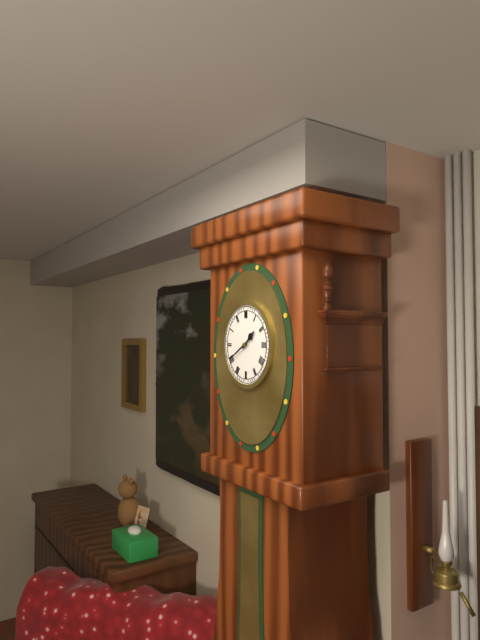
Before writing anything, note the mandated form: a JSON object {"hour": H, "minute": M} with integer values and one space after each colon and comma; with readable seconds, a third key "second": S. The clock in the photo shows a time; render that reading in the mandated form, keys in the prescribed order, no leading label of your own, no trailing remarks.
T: {"hour": 1, "minute": 40}
